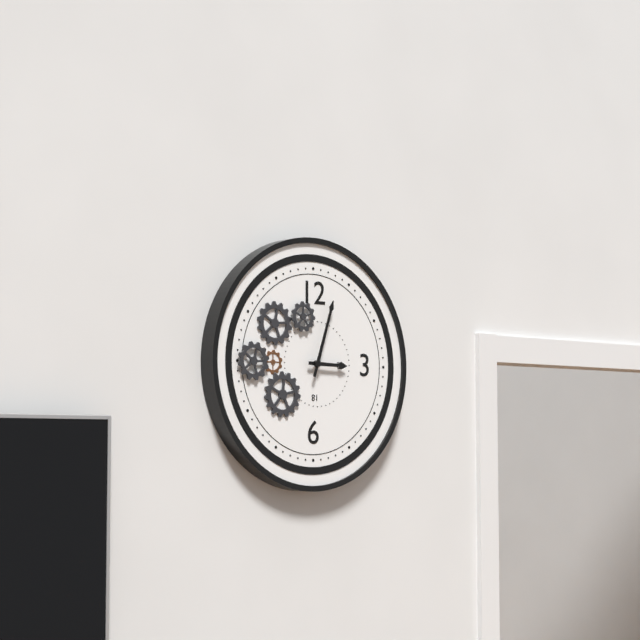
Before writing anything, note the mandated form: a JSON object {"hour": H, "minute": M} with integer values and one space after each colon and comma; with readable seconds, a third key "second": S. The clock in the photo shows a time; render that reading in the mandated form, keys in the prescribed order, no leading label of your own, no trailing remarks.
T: {"hour": 3, "minute": 3}
